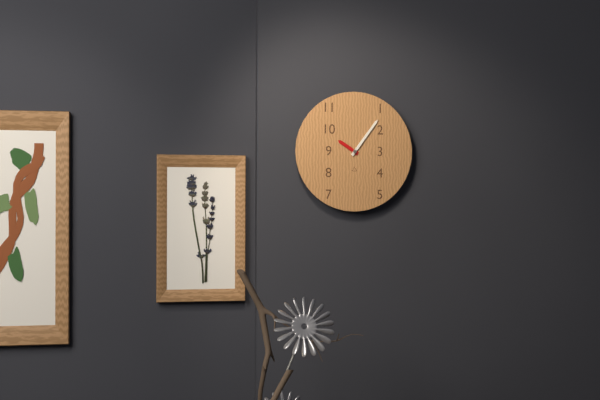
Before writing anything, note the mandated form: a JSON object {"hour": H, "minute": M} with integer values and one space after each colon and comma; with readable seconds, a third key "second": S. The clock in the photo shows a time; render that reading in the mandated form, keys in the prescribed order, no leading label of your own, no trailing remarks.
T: {"hour": 10, "minute": 6}
